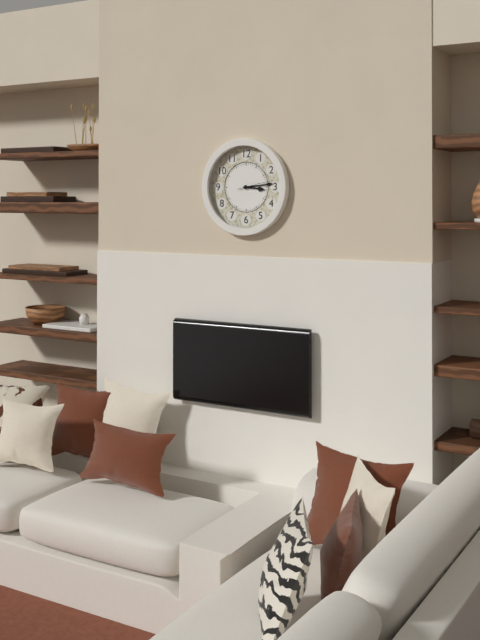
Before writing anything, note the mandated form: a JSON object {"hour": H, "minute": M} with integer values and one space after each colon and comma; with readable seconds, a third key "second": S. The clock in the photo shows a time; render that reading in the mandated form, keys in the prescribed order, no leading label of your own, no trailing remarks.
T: {"hour": 3, "minute": 14}
